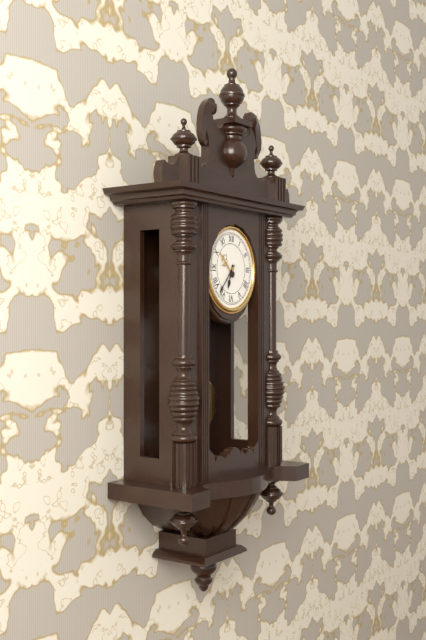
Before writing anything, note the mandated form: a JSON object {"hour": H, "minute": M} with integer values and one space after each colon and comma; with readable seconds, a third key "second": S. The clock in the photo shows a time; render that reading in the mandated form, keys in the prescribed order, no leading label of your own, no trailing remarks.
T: {"hour": 6, "minute": 37}
